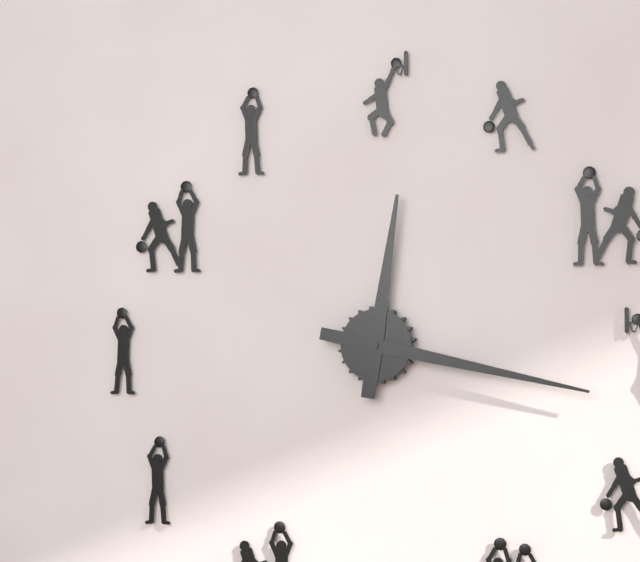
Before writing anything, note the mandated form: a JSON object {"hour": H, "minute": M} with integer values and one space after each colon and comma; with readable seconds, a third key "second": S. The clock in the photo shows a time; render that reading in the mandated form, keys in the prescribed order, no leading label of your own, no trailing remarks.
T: {"hour": 12, "minute": 17}
